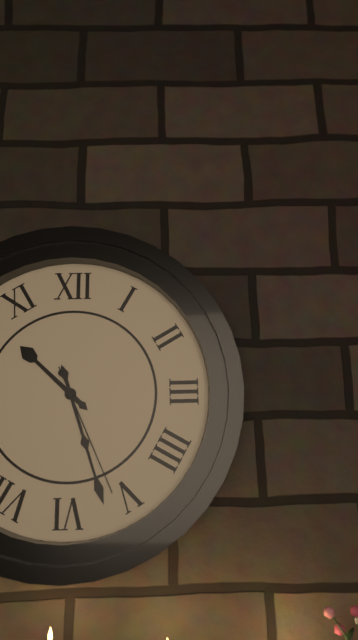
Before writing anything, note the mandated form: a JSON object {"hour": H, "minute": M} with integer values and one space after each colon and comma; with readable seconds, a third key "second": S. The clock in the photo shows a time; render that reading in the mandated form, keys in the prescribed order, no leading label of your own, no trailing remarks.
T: {"hour": 10, "minute": 27, "second": 26}
